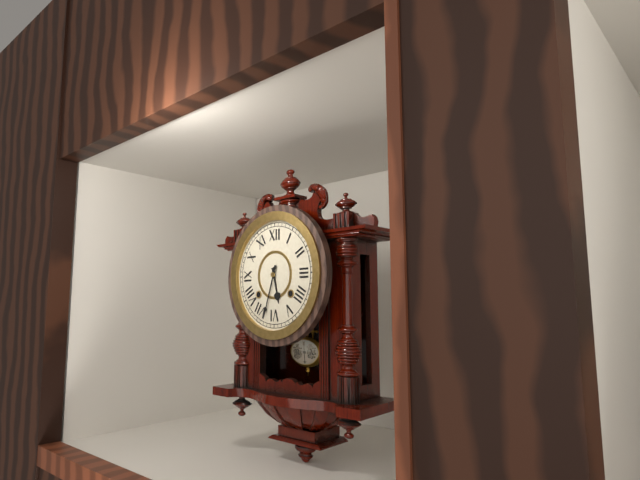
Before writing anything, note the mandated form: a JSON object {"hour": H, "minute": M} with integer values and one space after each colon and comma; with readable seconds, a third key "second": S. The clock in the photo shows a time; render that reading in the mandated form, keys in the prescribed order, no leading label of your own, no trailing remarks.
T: {"hour": 5, "minute": 33}
